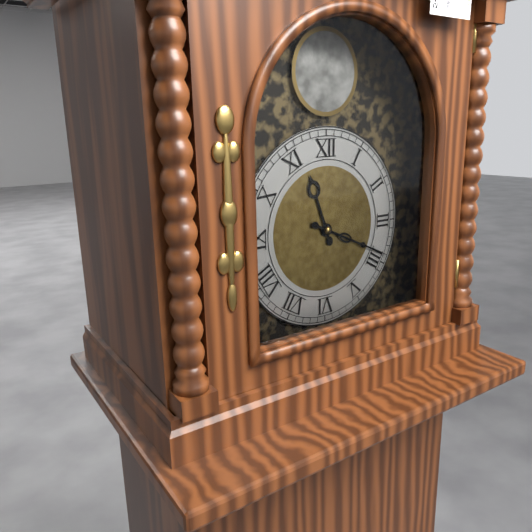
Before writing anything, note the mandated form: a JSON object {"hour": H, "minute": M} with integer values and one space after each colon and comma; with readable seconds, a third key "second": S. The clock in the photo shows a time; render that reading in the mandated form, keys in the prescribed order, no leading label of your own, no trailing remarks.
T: {"hour": 11, "minute": 19}
